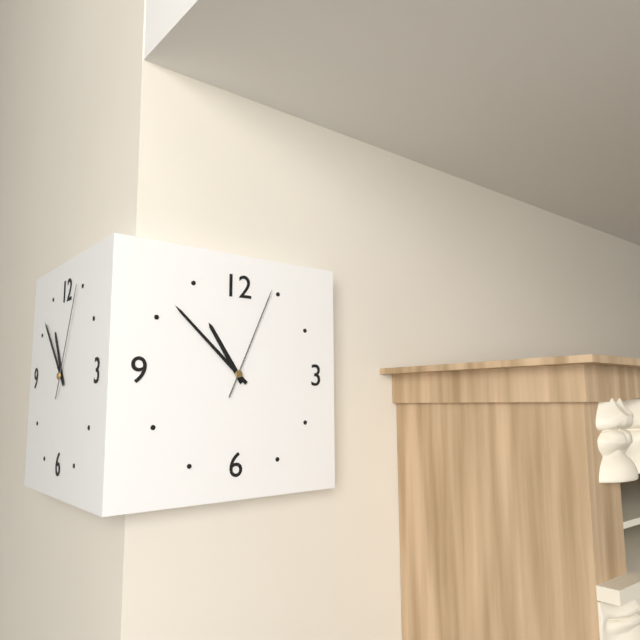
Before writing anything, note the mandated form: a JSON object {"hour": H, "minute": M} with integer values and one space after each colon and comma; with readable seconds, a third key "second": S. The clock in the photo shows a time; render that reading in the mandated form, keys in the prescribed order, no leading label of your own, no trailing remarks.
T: {"hour": 10, "minute": 52, "second": 4}
